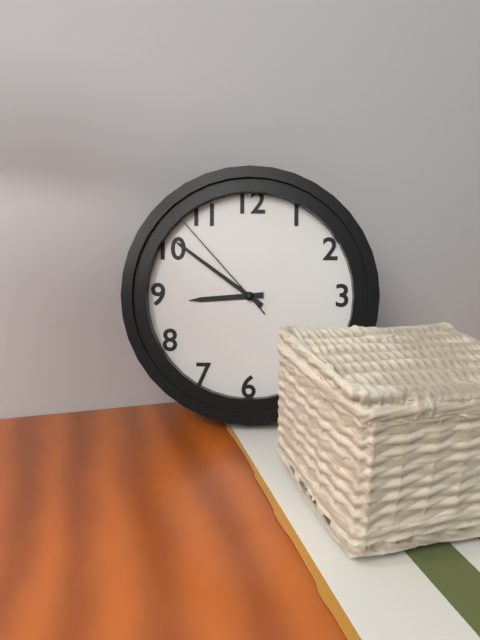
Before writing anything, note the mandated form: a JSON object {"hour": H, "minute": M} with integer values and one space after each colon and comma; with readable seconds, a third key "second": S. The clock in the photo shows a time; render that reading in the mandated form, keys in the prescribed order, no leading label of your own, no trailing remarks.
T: {"hour": 8, "minute": 51, "second": 53}
